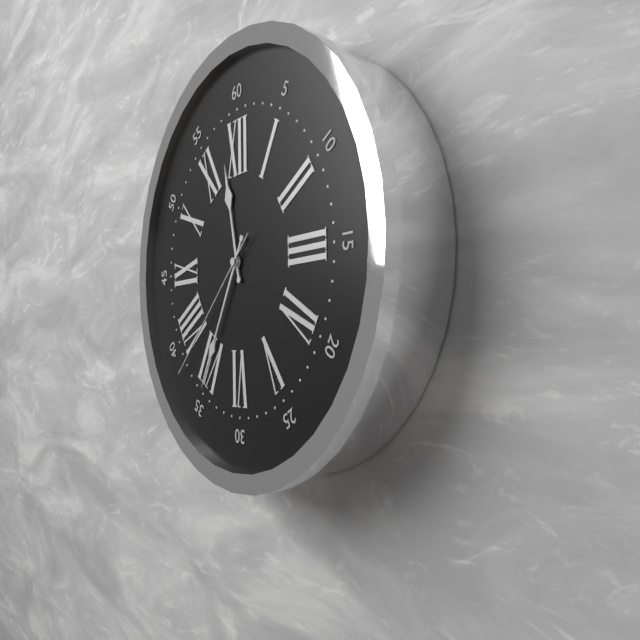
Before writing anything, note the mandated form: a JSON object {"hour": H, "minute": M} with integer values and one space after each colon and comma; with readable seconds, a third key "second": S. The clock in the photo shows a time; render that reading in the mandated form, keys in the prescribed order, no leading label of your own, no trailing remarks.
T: {"hour": 11, "minute": 35, "second": 38}
